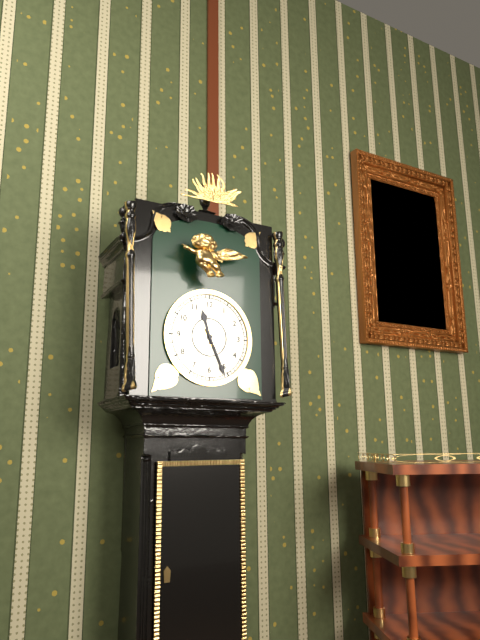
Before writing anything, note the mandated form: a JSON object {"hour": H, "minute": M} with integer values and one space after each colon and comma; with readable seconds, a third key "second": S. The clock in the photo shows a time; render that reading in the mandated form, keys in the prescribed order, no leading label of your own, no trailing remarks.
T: {"hour": 11, "minute": 26}
